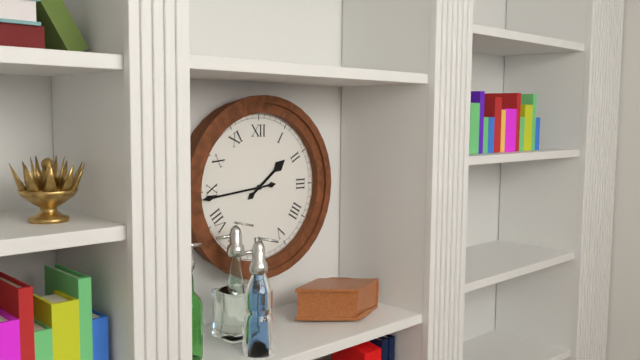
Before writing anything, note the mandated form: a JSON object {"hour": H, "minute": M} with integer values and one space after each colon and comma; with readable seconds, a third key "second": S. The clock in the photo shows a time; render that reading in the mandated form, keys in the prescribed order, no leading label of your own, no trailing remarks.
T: {"hour": 1, "minute": 44}
